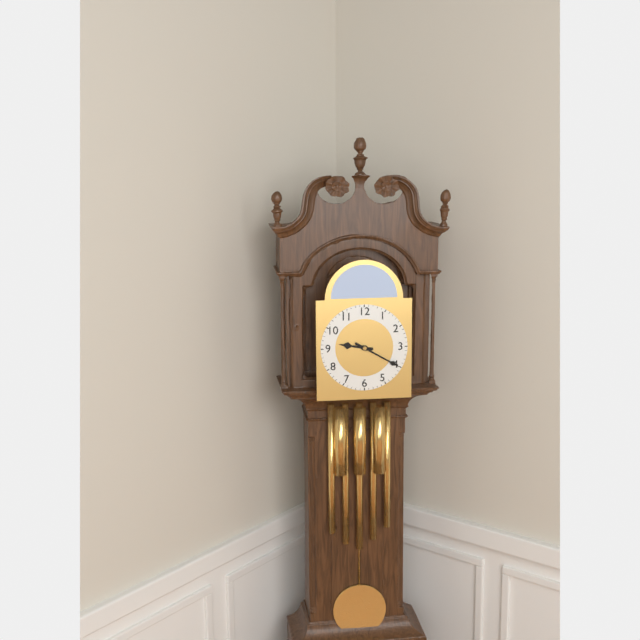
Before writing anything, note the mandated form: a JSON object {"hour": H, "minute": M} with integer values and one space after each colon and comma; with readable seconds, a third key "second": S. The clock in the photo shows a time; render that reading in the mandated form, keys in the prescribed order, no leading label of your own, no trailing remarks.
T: {"hour": 9, "minute": 20}
